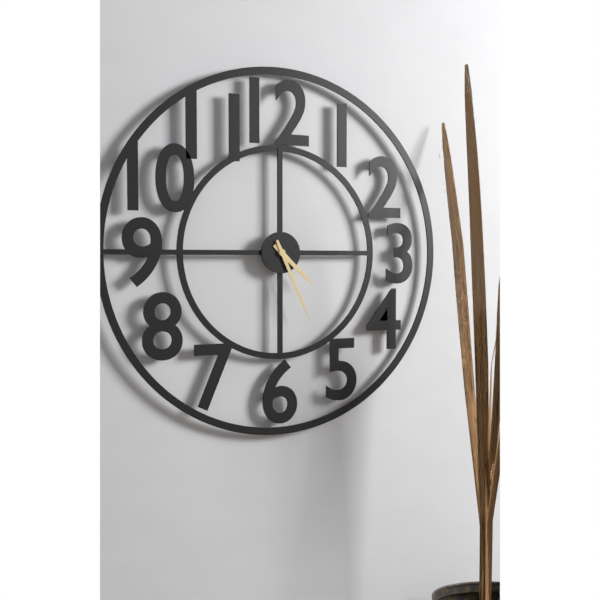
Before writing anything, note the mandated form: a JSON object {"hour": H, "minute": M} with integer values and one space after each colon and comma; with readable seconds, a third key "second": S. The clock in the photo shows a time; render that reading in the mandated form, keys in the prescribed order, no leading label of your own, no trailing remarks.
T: {"hour": 4, "minute": 26}
